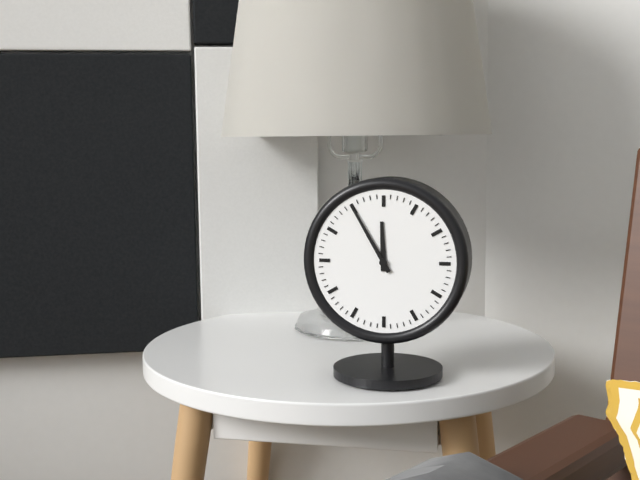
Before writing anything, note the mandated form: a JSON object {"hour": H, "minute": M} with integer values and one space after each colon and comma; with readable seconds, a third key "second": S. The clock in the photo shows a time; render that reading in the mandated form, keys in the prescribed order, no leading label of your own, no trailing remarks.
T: {"hour": 11, "minute": 55}
